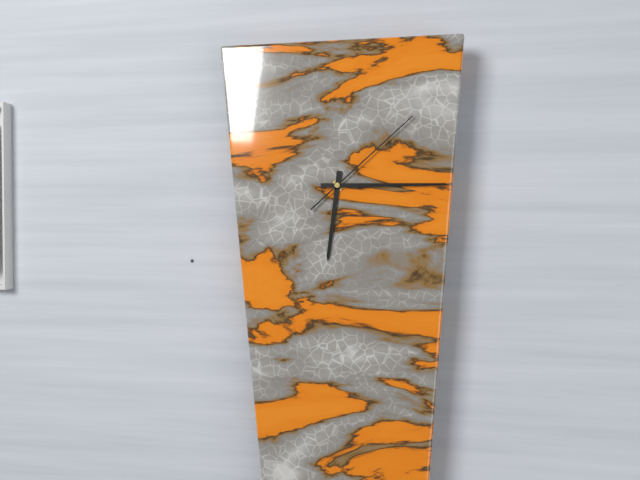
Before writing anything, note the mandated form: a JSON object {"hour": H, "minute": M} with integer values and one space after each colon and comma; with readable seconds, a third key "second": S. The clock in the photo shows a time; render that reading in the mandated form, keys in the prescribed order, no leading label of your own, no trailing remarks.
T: {"hour": 6, "minute": 15, "second": 8}
